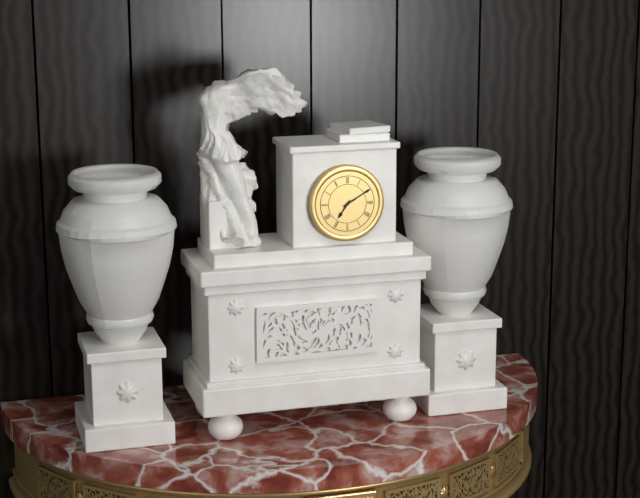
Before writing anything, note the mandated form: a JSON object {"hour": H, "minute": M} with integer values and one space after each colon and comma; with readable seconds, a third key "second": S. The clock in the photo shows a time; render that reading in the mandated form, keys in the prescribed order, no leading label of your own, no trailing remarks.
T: {"hour": 7, "minute": 10}
